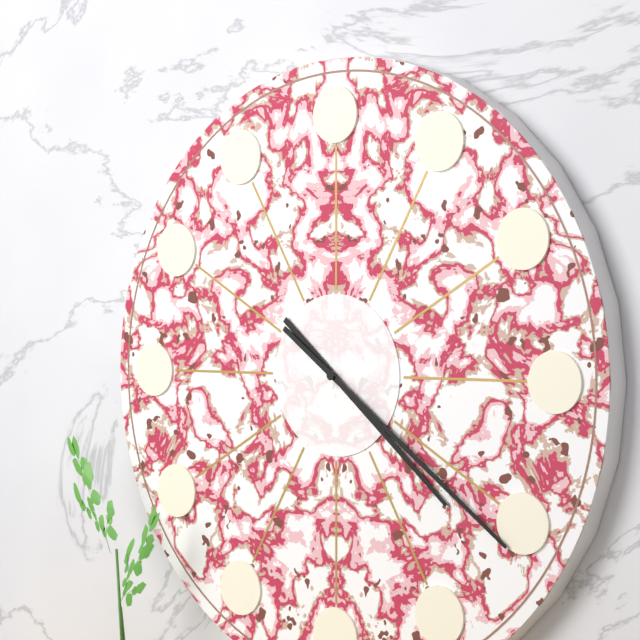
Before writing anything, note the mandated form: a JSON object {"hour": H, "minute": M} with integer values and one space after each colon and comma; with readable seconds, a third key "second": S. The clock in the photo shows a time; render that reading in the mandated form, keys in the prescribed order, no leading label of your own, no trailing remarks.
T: {"hour": 4, "minute": 21}
